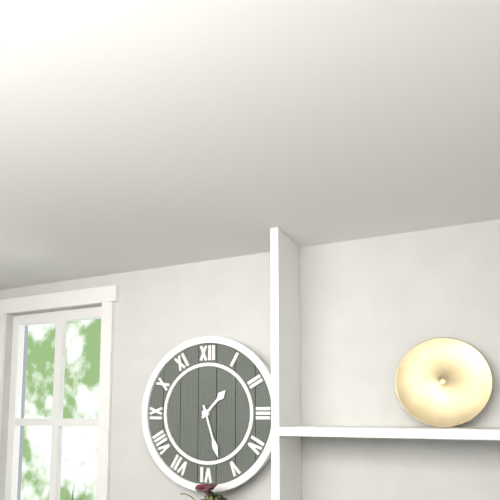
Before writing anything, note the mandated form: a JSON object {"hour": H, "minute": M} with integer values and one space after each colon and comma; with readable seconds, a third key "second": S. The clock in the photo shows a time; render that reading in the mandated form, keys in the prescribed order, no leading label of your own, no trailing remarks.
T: {"hour": 1, "minute": 27}
